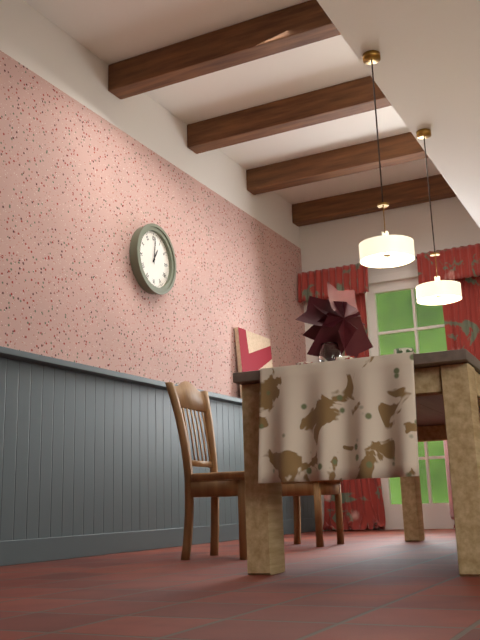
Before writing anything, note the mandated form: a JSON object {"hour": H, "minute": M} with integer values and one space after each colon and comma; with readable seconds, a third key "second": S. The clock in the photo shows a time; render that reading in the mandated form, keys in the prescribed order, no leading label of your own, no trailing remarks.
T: {"hour": 1, "minute": 1}
